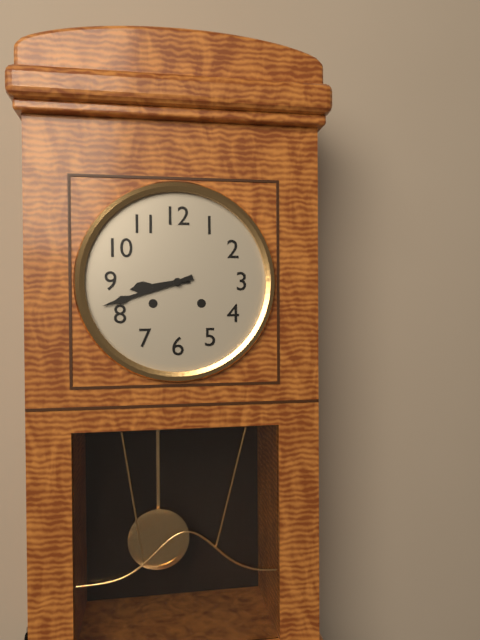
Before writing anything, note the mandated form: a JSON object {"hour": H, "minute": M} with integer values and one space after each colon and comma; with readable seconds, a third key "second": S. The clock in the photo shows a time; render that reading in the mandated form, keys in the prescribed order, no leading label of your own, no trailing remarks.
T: {"hour": 8, "minute": 42}
